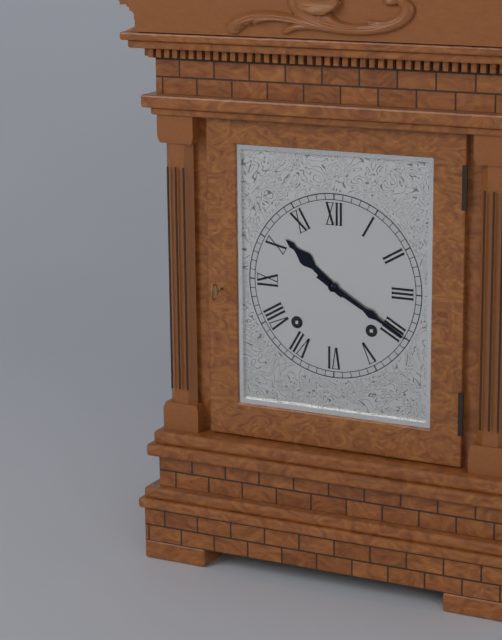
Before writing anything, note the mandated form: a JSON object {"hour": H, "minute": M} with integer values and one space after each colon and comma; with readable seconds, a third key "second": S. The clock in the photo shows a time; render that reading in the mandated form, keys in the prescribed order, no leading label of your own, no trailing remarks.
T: {"hour": 10, "minute": 20}
